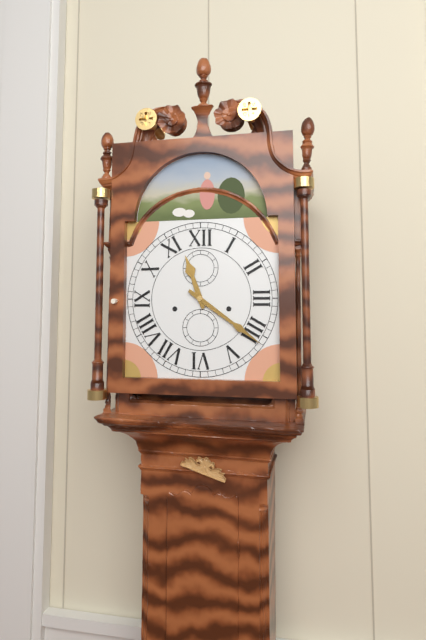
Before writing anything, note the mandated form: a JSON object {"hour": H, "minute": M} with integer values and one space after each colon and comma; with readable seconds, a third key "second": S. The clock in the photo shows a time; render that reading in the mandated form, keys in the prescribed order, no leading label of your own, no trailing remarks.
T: {"hour": 11, "minute": 21}
